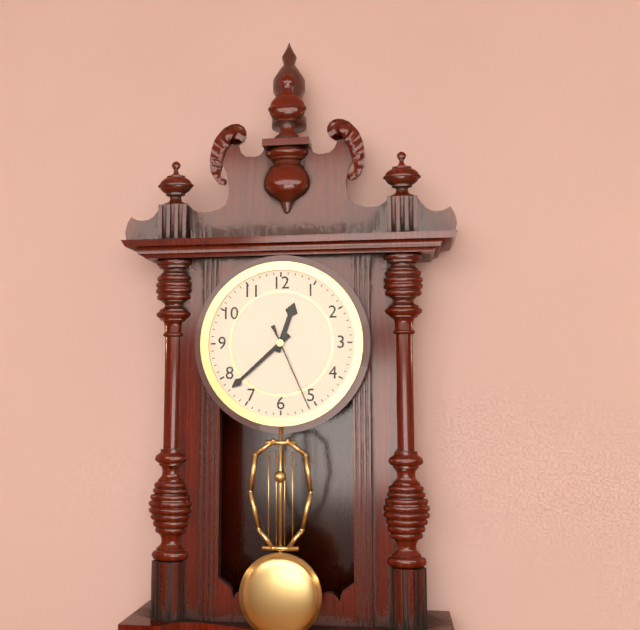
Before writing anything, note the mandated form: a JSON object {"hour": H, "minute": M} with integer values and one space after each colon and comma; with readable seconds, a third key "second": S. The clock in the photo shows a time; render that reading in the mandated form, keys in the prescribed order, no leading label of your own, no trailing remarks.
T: {"hour": 12, "minute": 38, "second": 26}
